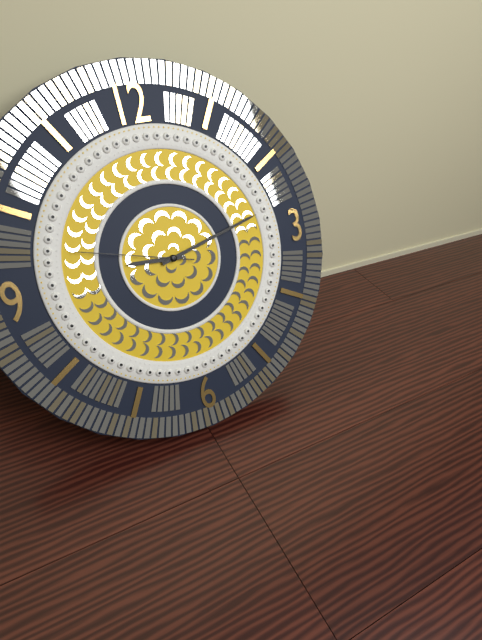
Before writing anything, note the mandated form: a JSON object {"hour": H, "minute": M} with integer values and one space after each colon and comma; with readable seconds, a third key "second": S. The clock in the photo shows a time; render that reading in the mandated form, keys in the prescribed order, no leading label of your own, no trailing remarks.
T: {"hour": 9, "minute": 13, "second": 48}
